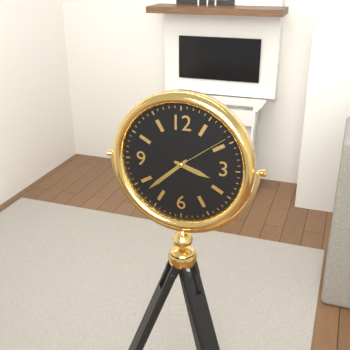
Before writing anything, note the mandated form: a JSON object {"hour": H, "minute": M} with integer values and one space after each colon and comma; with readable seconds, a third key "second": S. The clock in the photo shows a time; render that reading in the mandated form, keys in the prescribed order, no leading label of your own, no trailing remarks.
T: {"hour": 3, "minute": 38, "second": 9}
